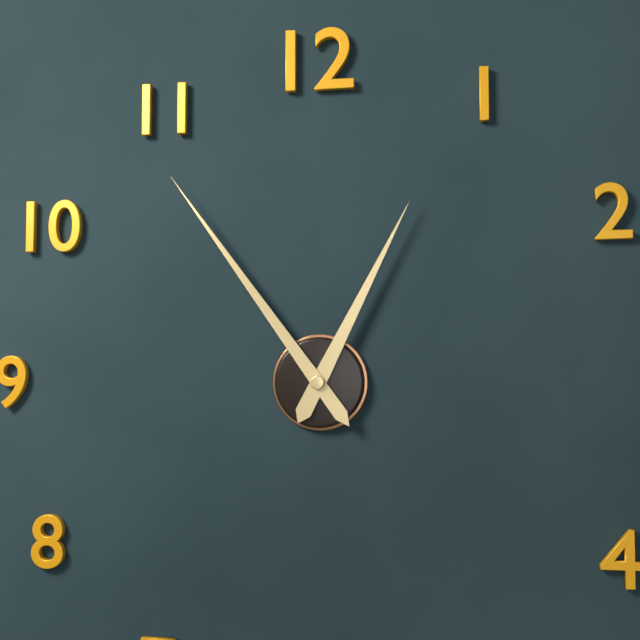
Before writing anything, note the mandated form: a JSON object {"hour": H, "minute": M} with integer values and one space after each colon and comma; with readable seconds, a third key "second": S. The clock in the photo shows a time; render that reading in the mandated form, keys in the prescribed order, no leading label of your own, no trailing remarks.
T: {"hour": 12, "minute": 54}
